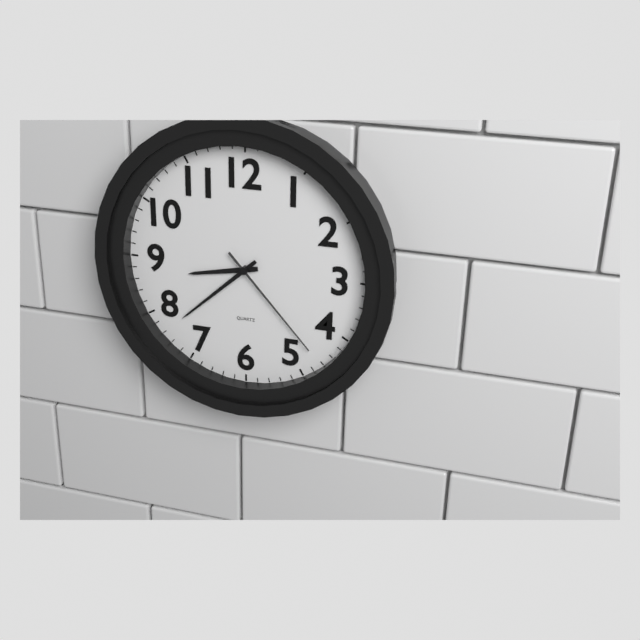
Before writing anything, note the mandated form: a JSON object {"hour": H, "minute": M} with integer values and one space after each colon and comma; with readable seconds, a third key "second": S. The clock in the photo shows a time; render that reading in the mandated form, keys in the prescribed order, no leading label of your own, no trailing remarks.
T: {"hour": 8, "minute": 38, "second": 23}
